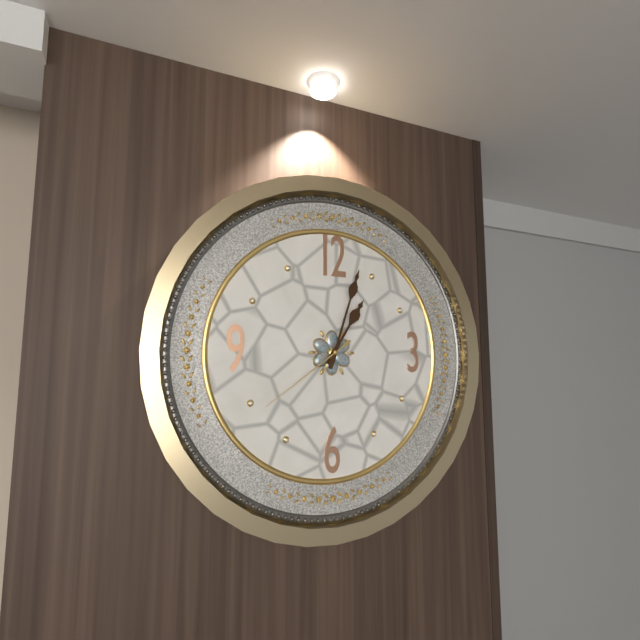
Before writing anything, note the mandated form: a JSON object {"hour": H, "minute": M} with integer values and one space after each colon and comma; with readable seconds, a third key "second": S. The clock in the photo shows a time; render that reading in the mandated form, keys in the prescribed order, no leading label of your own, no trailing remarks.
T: {"hour": 1, "minute": 3, "second": 39}
